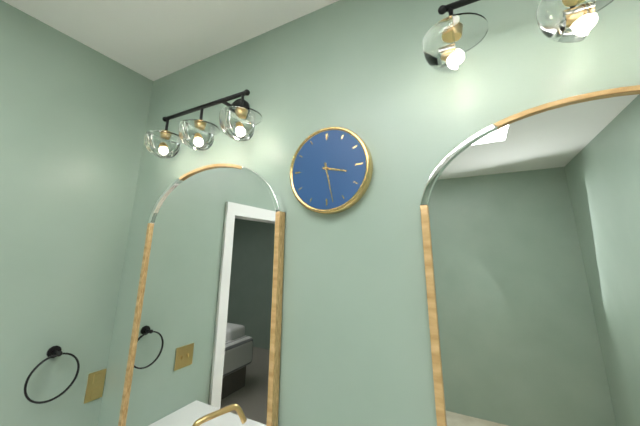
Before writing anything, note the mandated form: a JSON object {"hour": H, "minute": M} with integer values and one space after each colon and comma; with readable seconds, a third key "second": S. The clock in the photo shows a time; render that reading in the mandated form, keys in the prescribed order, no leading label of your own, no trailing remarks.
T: {"hour": 3, "minute": 28}
